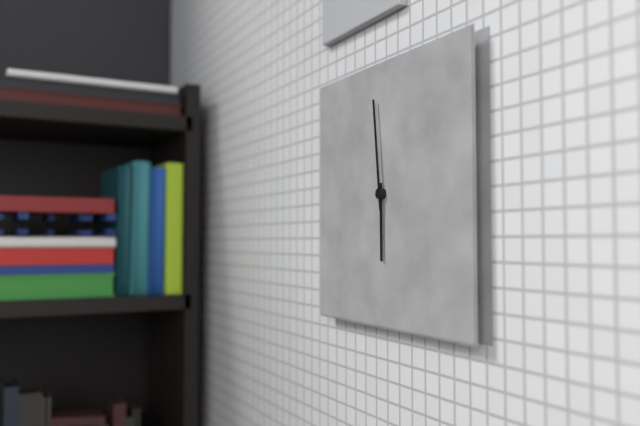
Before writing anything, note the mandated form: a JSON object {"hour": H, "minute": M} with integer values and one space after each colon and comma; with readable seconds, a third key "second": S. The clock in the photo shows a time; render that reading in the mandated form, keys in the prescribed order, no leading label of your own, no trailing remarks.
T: {"hour": 5, "minute": 59}
